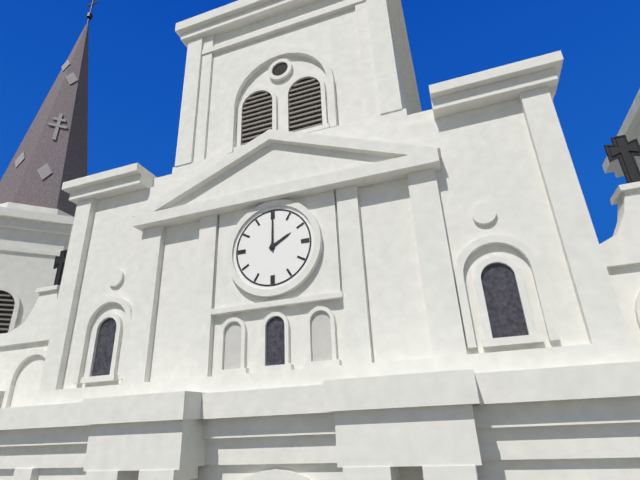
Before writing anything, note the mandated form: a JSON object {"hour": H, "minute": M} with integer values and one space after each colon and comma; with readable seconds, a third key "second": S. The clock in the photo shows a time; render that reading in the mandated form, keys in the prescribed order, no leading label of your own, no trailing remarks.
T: {"hour": 2, "minute": 0}
